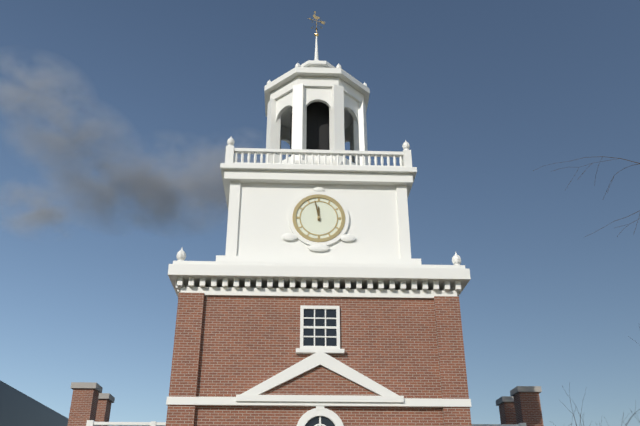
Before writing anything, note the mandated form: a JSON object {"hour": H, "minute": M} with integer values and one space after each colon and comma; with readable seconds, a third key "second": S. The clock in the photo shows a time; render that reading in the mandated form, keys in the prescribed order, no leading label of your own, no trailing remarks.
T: {"hour": 11, "minute": 58}
